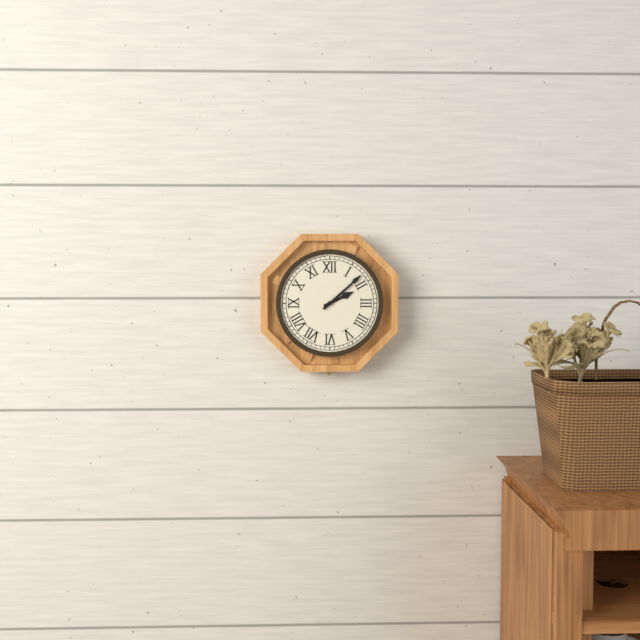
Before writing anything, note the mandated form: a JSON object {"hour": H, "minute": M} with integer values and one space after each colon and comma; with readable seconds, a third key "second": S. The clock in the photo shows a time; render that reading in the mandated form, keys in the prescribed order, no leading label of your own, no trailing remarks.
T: {"hour": 2, "minute": 8}
